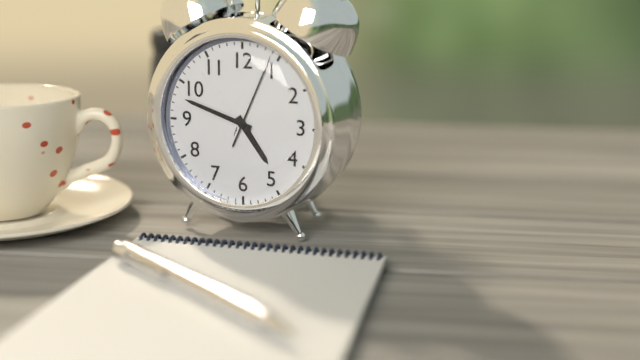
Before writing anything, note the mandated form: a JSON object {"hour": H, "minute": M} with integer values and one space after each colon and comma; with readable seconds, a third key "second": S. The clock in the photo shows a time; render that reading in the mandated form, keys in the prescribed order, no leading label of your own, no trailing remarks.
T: {"hour": 4, "minute": 48, "second": 4}
